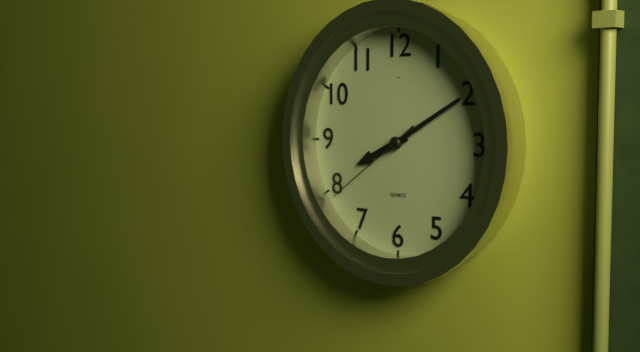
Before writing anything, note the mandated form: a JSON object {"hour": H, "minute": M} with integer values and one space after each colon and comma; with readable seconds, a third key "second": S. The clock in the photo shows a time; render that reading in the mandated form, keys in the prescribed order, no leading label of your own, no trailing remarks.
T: {"hour": 8, "minute": 10, "second": 39}
